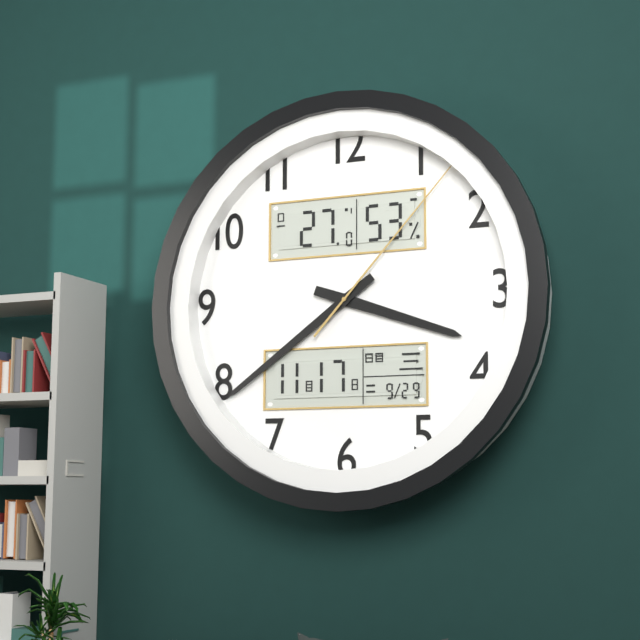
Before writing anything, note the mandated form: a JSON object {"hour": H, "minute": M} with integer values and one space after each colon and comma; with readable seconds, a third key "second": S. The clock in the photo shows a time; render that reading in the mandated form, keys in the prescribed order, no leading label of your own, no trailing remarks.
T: {"hour": 3, "minute": 39, "second": 7}
